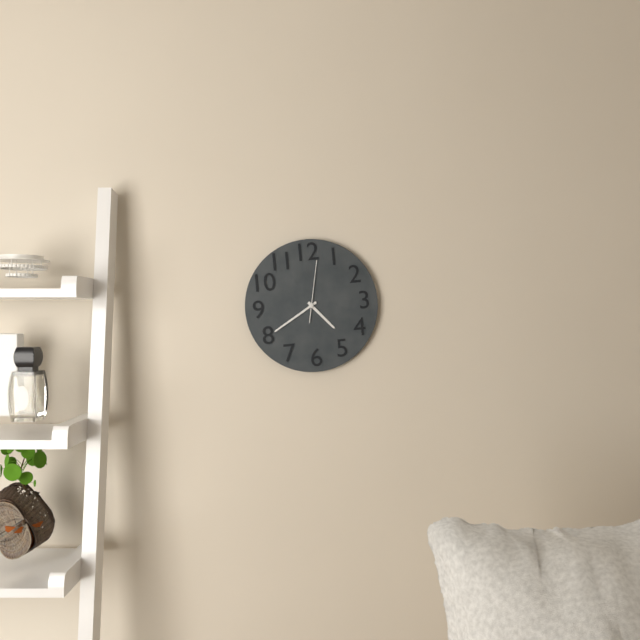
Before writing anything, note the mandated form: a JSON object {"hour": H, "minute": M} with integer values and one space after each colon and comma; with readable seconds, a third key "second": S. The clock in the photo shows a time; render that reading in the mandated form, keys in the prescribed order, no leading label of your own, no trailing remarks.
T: {"hour": 4, "minute": 40, "second": 2}
